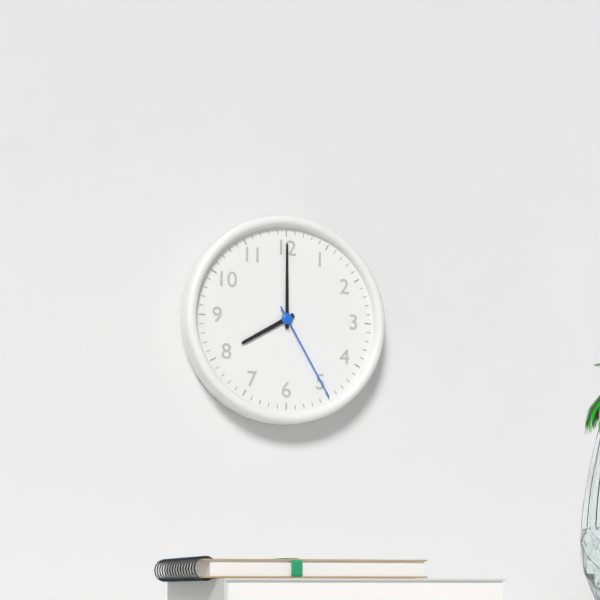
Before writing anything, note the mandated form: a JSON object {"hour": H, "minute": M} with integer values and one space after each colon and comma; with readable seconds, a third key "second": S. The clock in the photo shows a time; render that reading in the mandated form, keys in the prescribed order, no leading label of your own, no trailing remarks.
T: {"hour": 8, "minute": 0, "second": 25}
